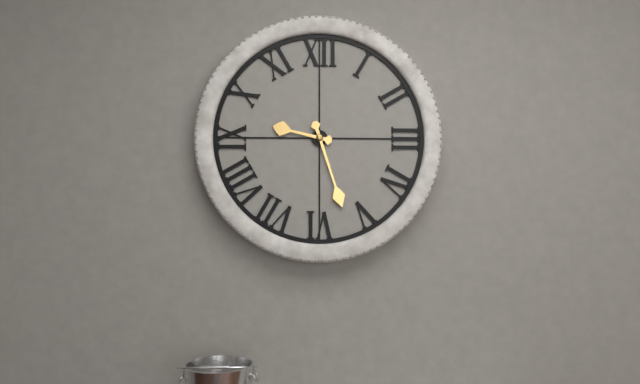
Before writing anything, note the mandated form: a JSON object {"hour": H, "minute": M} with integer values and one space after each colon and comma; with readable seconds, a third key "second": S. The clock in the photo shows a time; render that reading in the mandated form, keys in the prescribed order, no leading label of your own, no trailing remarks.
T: {"hour": 9, "minute": 27}
